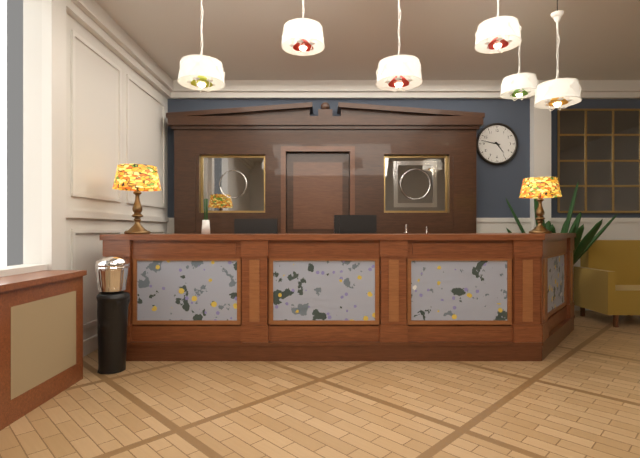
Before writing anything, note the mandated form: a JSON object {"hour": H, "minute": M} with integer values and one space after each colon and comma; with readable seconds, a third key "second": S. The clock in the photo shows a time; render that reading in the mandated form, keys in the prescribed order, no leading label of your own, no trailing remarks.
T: {"hour": 4, "minute": 47}
